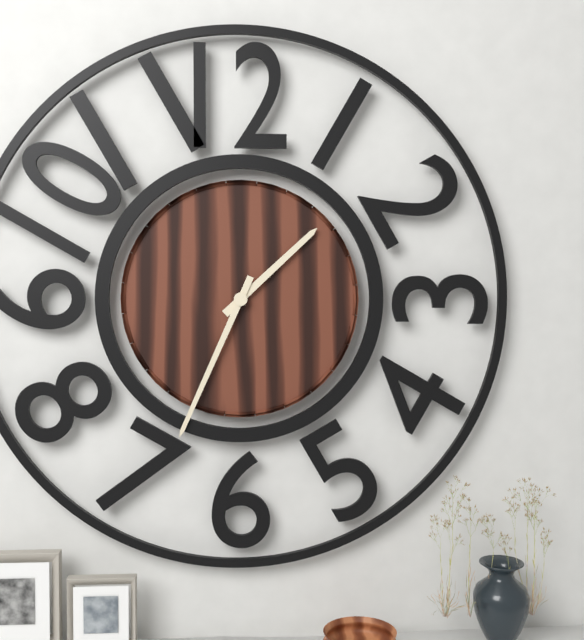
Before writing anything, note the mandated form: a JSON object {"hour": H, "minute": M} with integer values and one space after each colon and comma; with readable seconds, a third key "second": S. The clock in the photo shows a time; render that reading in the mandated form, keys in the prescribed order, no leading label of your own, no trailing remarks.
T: {"hour": 1, "minute": 34}
